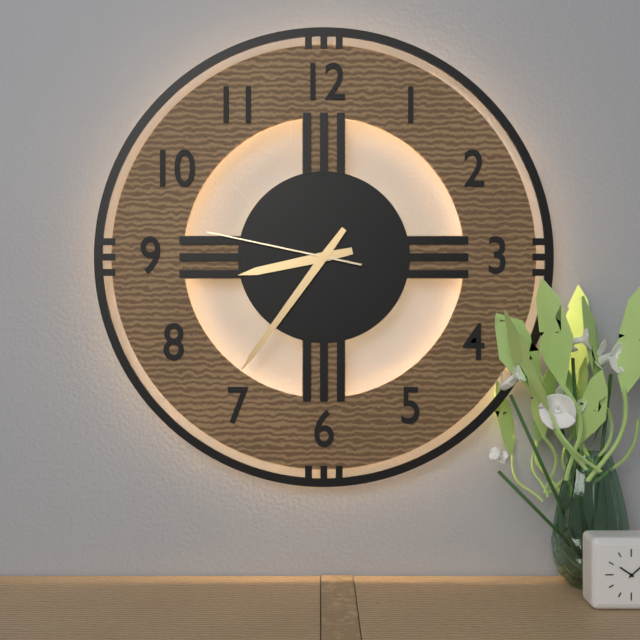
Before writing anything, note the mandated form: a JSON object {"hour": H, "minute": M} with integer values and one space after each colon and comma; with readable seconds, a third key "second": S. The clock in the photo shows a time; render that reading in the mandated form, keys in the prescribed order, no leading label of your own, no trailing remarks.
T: {"hour": 8, "minute": 36, "second": 47}
